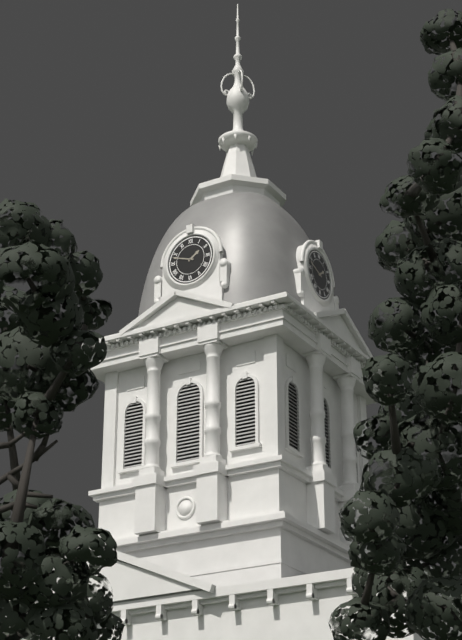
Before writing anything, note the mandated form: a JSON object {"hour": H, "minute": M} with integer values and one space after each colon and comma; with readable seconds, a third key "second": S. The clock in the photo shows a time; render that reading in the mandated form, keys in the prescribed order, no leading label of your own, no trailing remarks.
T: {"hour": 1, "minute": 48}
